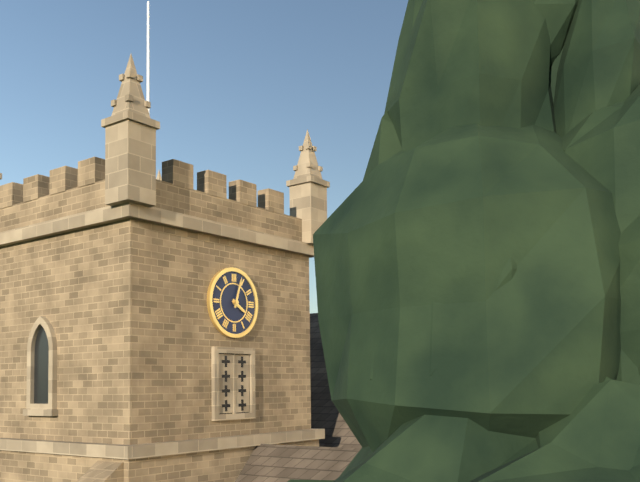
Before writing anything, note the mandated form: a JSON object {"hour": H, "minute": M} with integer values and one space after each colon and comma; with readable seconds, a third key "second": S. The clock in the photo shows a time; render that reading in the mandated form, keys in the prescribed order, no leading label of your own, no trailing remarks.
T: {"hour": 4, "minute": 3}
